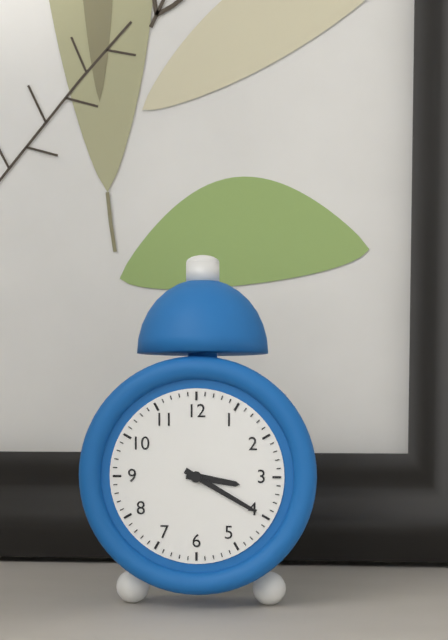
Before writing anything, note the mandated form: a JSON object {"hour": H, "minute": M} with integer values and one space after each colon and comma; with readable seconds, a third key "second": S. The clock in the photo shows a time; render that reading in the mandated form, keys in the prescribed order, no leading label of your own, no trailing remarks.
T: {"hour": 3, "minute": 20}
